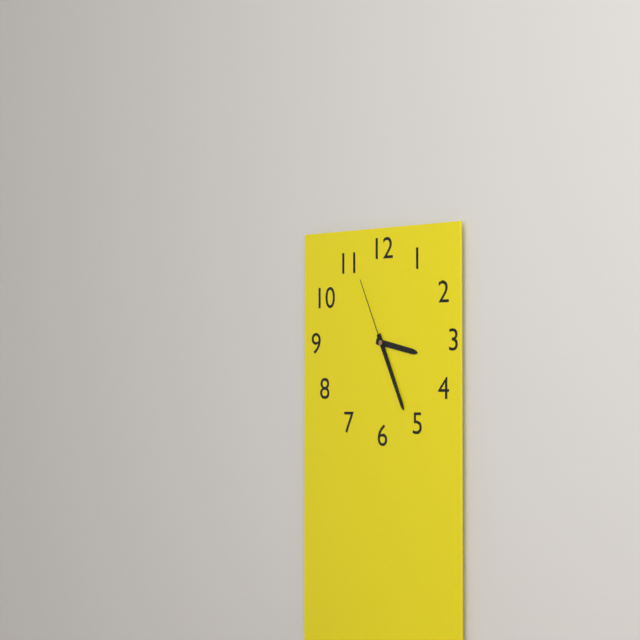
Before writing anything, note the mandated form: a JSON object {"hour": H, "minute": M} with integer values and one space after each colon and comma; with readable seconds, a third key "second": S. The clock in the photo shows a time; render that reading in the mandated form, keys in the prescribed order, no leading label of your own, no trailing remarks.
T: {"hour": 3, "minute": 26, "second": 56}
